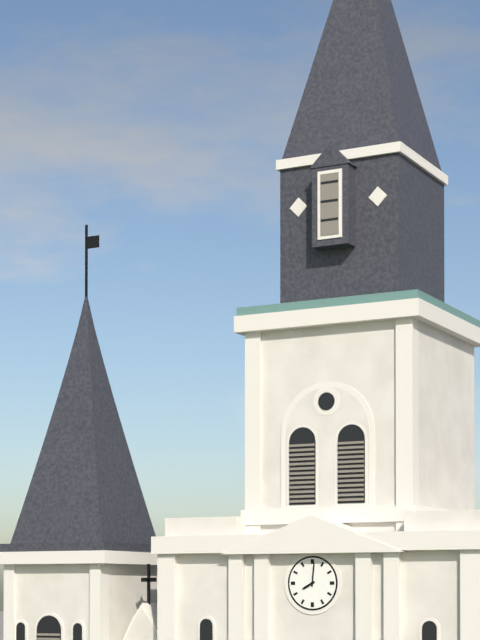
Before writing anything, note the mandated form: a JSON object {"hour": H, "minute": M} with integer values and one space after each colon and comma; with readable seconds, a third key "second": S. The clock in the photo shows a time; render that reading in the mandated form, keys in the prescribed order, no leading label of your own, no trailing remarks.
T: {"hour": 8, "minute": 1}
